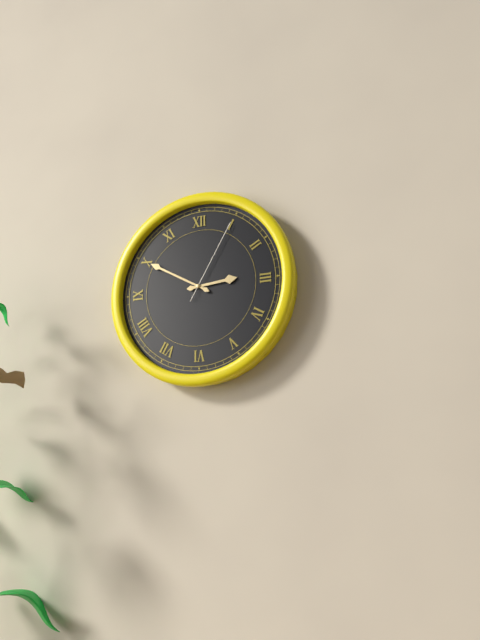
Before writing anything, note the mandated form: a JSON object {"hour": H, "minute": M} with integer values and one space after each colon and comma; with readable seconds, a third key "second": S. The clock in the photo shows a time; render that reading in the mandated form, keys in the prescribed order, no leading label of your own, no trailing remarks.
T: {"hour": 2, "minute": 50, "second": 5}
